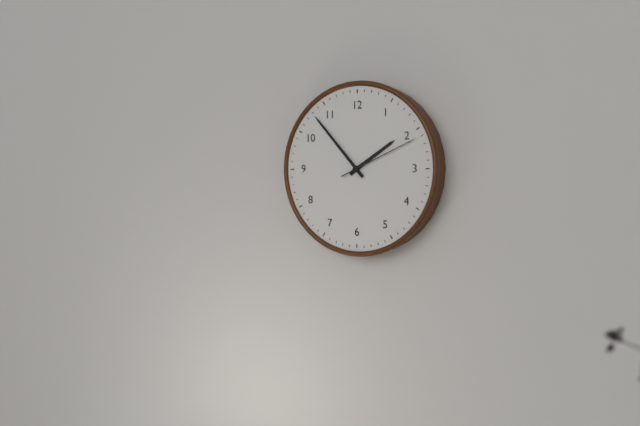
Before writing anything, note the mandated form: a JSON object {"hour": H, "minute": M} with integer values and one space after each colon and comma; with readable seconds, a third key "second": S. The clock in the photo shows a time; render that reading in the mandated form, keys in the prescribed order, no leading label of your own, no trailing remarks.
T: {"hour": 1, "minute": 53, "second": 11}
